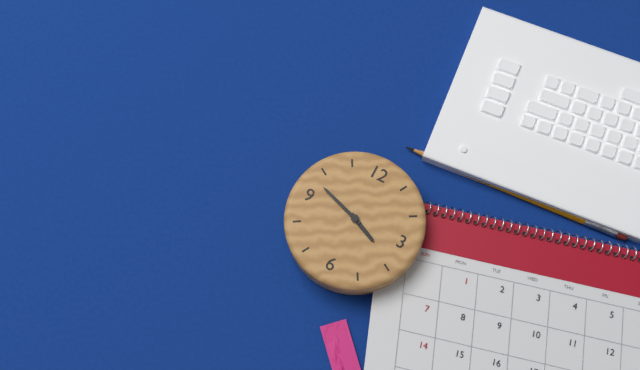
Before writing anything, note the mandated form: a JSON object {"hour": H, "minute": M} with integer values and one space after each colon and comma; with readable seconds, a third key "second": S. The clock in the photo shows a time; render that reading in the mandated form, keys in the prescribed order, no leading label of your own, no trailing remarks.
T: {"hour": 3, "minute": 48}
